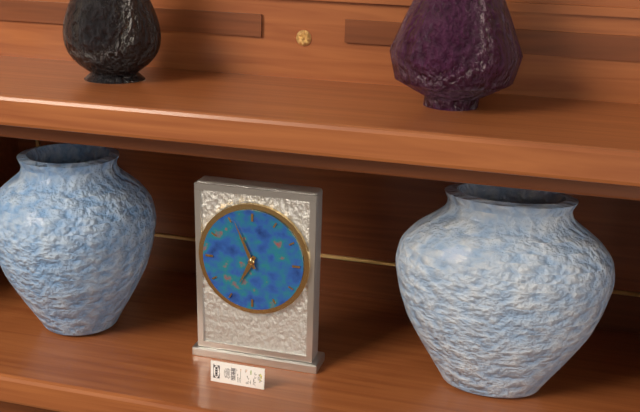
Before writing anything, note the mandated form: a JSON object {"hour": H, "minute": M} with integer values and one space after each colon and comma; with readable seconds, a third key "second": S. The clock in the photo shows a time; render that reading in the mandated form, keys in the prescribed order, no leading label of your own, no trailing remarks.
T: {"hour": 6, "minute": 56}
